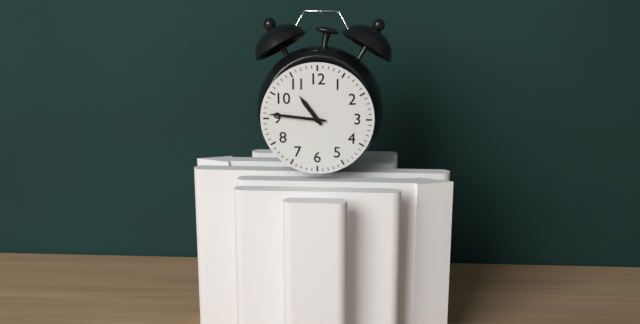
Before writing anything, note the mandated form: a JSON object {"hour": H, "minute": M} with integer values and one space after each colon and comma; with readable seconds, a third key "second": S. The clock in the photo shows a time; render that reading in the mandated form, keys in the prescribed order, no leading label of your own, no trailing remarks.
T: {"hour": 10, "minute": 46}
